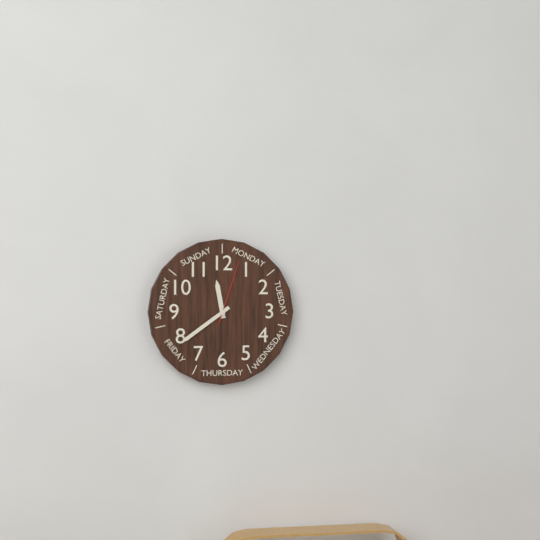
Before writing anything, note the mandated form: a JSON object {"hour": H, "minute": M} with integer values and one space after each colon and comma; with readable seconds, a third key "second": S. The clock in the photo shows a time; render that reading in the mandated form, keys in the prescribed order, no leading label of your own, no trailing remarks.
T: {"hour": 11, "minute": 39, "second": 3}
